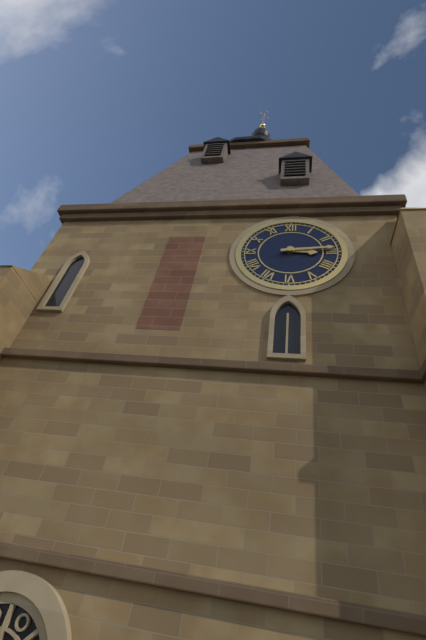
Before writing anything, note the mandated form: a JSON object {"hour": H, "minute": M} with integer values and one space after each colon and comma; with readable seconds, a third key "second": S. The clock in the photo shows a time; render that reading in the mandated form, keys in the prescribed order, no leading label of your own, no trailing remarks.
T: {"hour": 3, "minute": 14}
